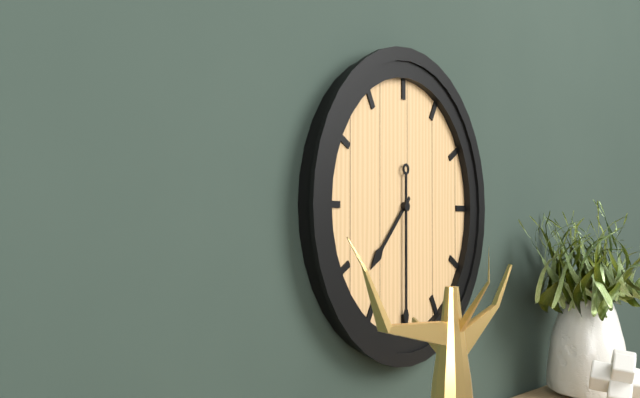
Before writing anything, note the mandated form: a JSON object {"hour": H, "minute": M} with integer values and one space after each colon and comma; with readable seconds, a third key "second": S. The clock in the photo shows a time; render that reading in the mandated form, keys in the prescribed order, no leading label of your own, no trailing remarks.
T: {"hour": 7, "minute": 30}
